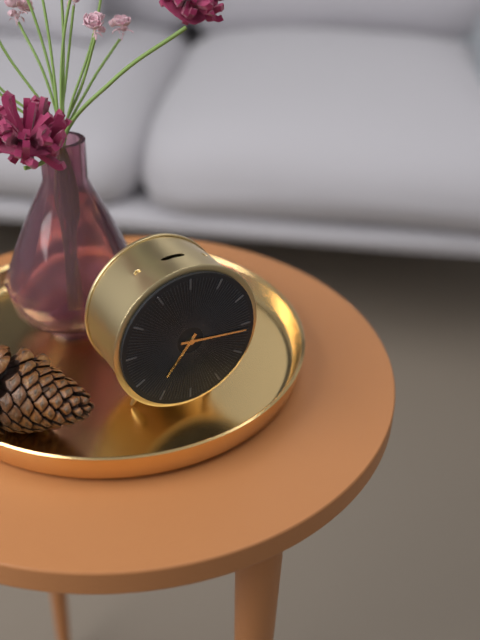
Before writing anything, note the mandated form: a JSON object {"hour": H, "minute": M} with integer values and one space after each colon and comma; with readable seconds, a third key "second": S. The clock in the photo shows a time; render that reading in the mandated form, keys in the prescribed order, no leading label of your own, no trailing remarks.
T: {"hour": 7, "minute": 16}
